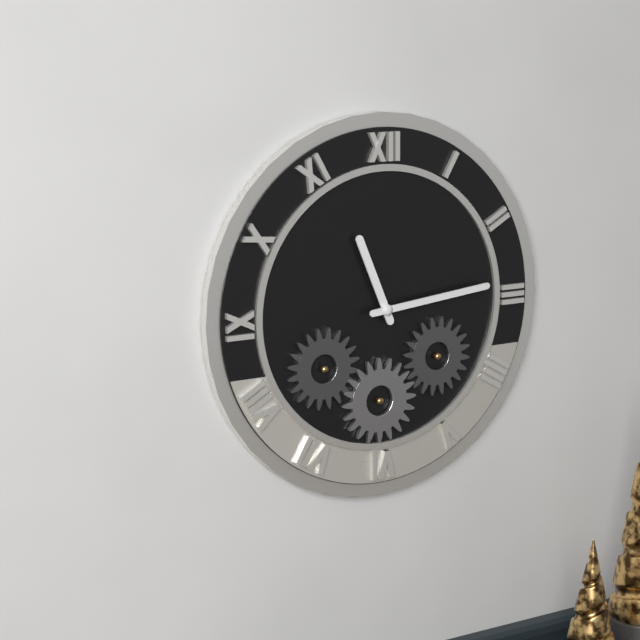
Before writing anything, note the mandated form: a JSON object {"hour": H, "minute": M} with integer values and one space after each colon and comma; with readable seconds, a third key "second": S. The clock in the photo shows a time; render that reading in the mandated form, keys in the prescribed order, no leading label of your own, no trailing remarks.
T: {"hour": 11, "minute": 14}
